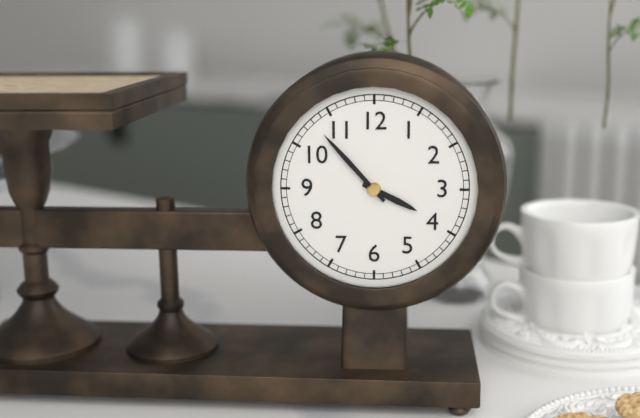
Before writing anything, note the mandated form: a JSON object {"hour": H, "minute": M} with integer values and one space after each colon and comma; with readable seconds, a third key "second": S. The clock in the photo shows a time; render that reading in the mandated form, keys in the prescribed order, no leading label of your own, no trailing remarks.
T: {"hour": 3, "minute": 53}
